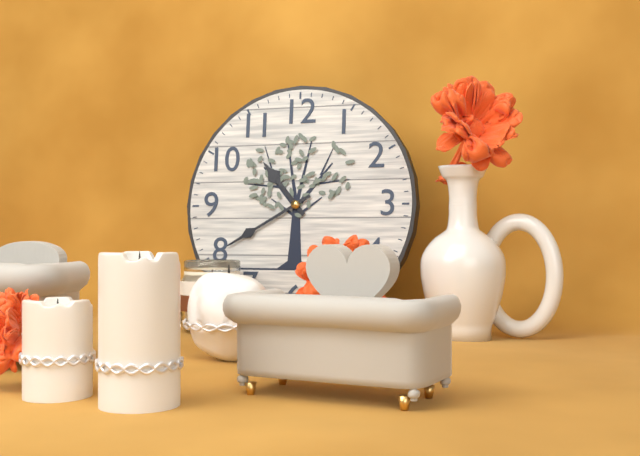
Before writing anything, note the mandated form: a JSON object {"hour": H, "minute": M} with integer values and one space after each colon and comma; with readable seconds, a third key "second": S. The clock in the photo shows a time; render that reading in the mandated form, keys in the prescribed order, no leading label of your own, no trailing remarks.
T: {"hour": 10, "minute": 40}
